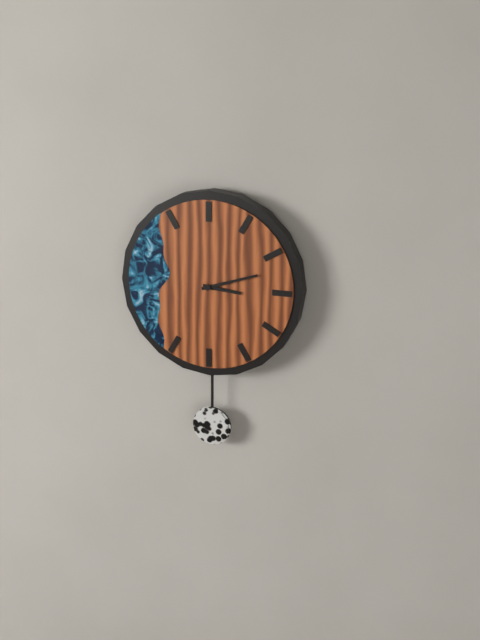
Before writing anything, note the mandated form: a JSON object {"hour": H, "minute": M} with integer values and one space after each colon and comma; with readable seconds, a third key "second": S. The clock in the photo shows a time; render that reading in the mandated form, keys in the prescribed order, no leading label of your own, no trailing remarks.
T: {"hour": 3, "minute": 12}
